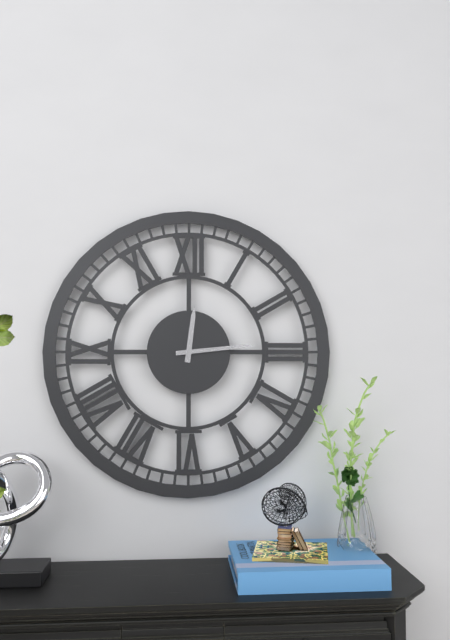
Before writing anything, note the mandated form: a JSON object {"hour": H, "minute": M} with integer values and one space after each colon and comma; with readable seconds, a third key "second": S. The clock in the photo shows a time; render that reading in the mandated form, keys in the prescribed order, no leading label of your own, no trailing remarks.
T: {"hour": 12, "minute": 14}
